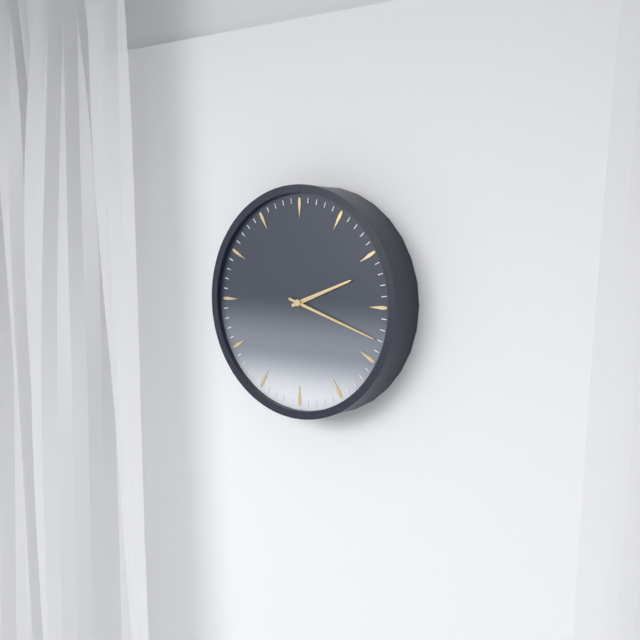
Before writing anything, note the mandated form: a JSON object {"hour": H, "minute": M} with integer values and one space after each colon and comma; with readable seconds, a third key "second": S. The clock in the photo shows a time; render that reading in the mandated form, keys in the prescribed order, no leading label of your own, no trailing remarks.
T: {"hour": 2, "minute": 18}
